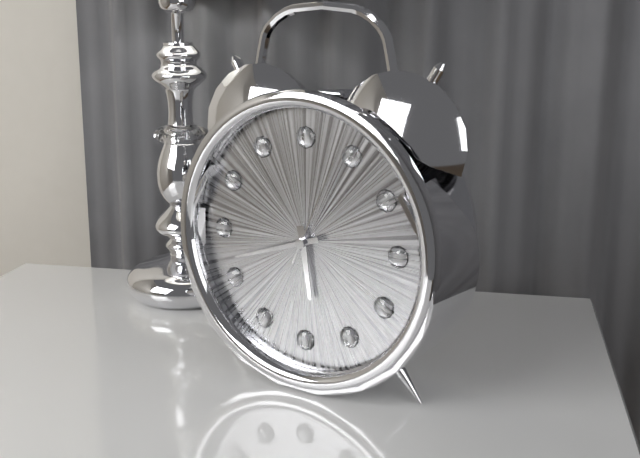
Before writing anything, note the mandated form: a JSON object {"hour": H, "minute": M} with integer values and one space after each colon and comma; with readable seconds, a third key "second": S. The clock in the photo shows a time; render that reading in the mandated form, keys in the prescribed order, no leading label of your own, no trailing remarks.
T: {"hour": 5, "minute": 42, "second": 4}
